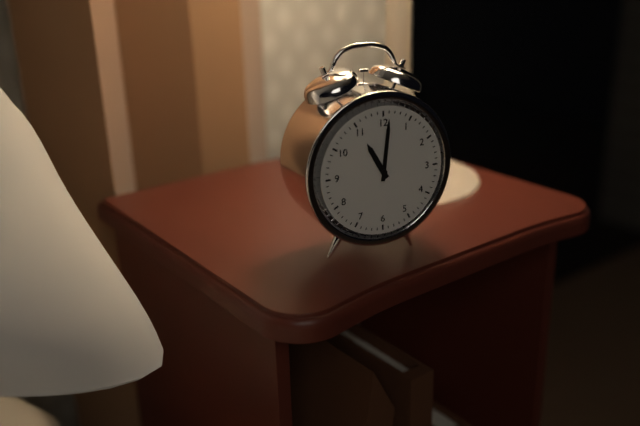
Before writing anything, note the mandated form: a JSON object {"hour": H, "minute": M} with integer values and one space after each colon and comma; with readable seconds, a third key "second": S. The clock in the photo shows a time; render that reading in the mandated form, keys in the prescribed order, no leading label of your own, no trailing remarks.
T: {"hour": 11, "minute": 1}
